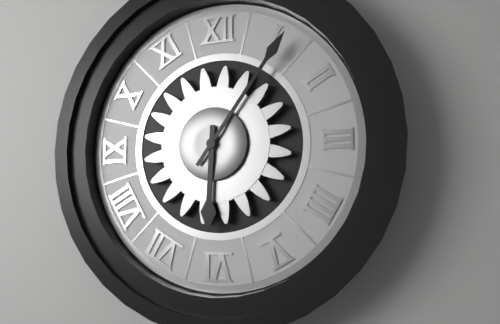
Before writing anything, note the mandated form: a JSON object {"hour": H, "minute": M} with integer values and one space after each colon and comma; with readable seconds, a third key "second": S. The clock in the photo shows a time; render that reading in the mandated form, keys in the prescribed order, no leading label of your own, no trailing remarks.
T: {"hour": 6, "minute": 6}
